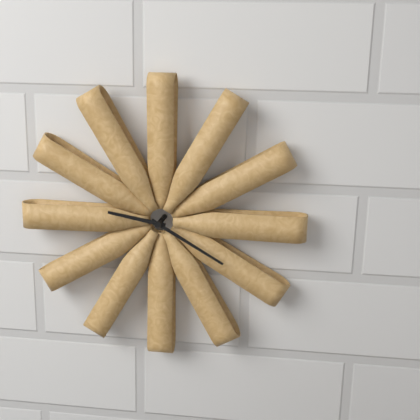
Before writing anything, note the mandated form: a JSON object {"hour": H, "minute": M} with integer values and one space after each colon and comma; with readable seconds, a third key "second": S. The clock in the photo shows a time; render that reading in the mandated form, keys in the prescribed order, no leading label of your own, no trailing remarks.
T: {"hour": 9, "minute": 20}
